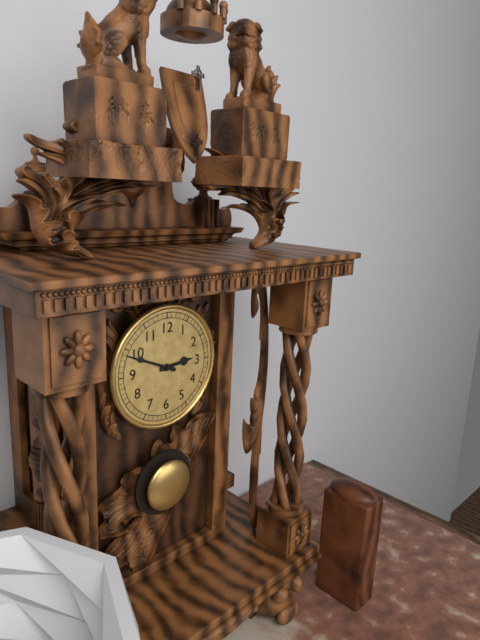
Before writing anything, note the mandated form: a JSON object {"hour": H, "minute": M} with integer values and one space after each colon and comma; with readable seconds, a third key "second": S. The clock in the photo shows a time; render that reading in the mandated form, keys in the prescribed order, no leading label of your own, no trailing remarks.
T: {"hour": 2, "minute": 49}
